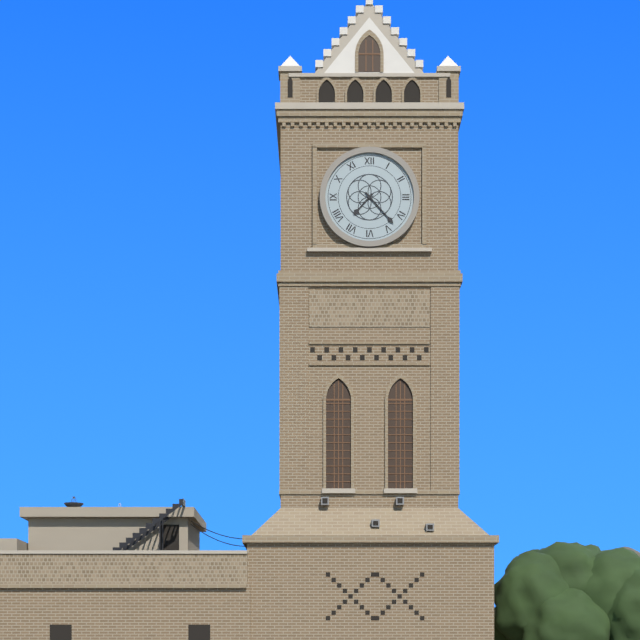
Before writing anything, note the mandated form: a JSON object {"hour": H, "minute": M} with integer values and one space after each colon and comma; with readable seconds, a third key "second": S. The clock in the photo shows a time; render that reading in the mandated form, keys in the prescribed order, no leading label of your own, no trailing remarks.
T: {"hour": 7, "minute": 23}
